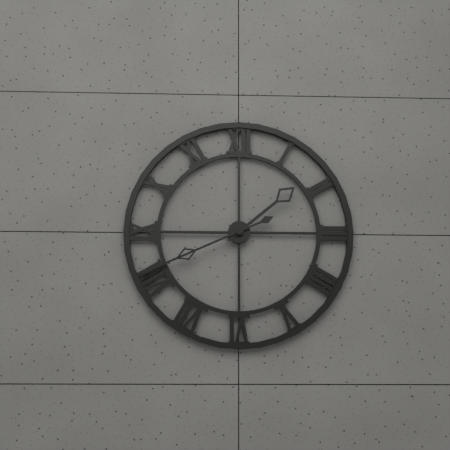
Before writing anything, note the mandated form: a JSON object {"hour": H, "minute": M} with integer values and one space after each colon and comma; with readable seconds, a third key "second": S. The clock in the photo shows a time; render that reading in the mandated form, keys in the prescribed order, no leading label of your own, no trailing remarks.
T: {"hour": 1, "minute": 41}
